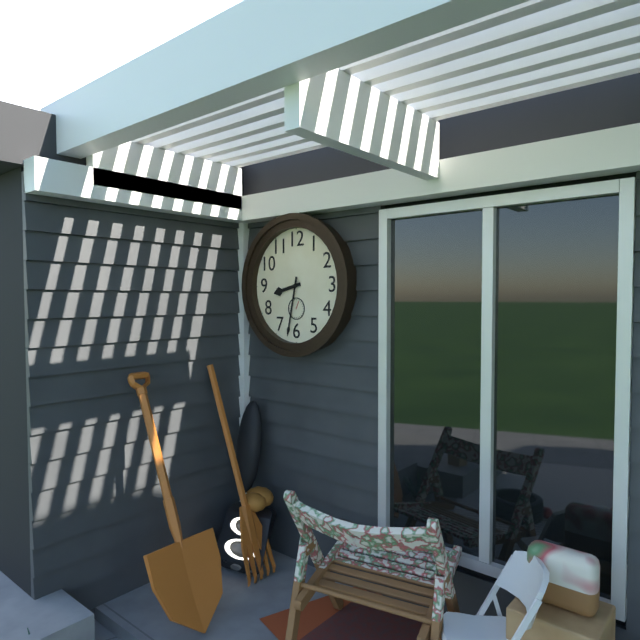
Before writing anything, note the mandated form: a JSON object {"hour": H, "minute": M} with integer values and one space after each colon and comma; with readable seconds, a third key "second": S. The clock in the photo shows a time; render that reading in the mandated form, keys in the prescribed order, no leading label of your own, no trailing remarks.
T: {"hour": 8, "minute": 32}
